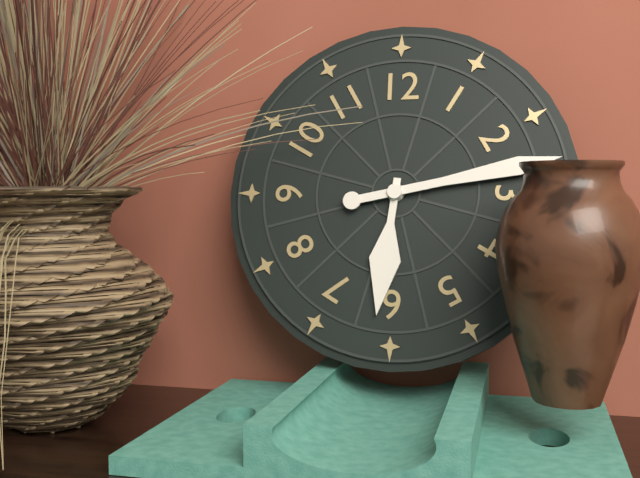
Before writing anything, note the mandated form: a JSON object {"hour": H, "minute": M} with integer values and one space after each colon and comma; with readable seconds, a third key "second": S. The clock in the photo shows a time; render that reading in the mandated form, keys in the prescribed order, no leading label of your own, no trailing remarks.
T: {"hour": 6, "minute": 13}
